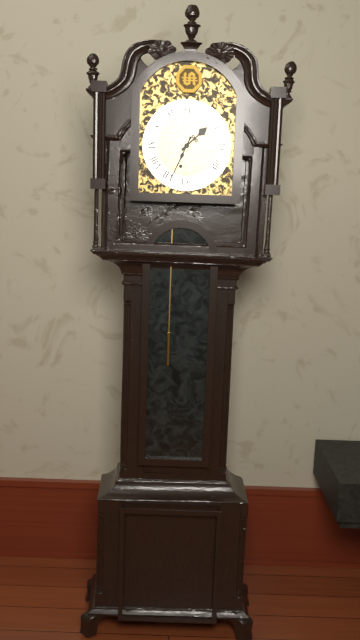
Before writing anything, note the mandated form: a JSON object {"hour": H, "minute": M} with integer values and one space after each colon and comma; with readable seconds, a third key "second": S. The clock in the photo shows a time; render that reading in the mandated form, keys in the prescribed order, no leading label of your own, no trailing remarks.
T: {"hour": 1, "minute": 34}
